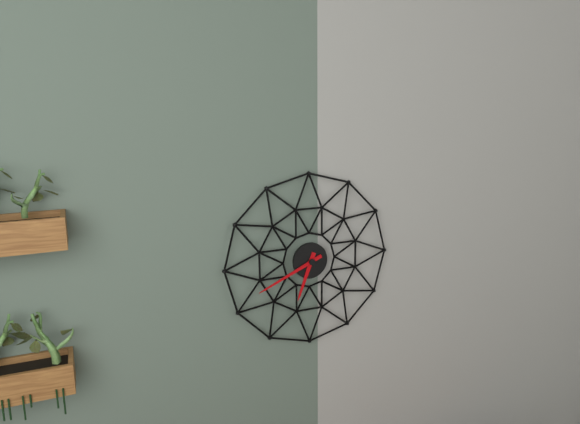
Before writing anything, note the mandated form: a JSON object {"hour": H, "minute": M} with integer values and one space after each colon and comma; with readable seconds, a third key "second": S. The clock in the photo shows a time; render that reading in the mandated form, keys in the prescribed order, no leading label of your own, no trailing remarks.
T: {"hour": 6, "minute": 41}
